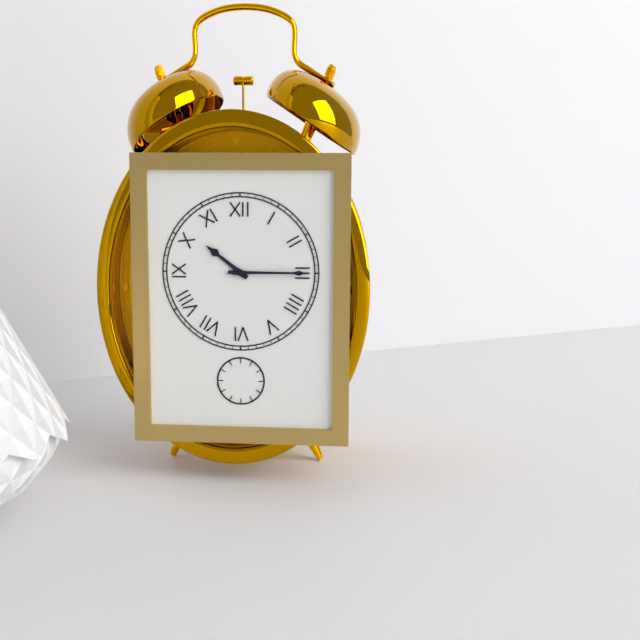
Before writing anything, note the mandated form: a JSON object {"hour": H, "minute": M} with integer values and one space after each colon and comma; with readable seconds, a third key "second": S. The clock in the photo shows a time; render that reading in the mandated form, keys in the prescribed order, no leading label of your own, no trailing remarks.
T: {"hour": 10, "minute": 15}
